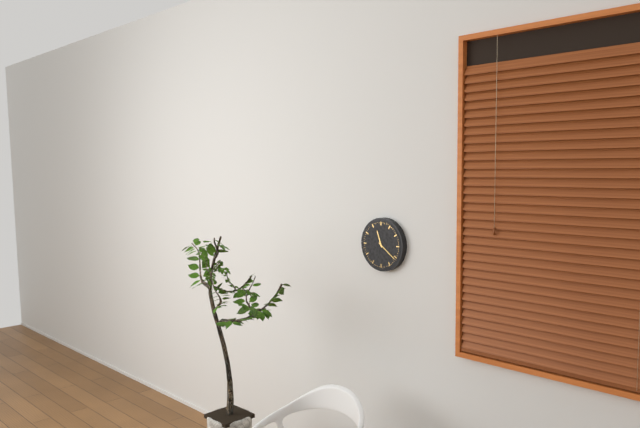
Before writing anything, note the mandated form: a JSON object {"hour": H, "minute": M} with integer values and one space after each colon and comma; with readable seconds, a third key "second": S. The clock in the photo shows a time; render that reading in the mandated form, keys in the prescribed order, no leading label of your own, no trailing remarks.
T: {"hour": 11, "minute": 21}
